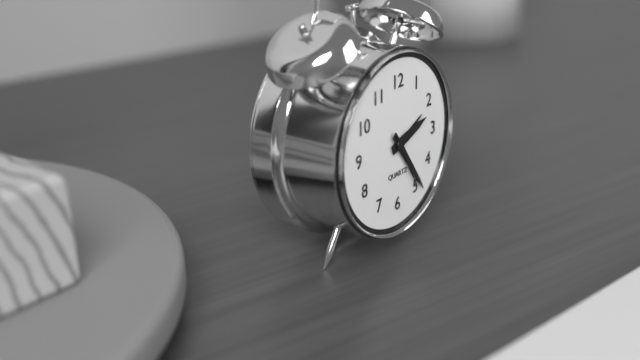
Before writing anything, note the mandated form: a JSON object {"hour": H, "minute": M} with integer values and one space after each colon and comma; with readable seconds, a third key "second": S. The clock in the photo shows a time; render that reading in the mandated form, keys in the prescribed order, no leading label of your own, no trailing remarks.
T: {"hour": 2, "minute": 24, "second": 25}
